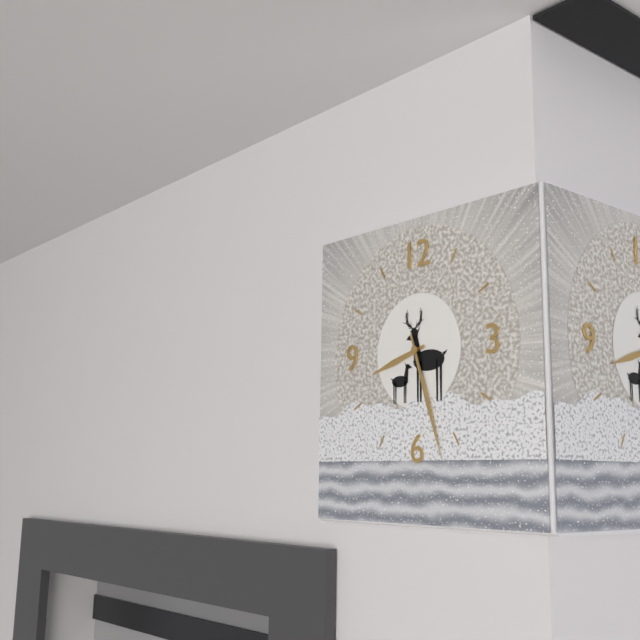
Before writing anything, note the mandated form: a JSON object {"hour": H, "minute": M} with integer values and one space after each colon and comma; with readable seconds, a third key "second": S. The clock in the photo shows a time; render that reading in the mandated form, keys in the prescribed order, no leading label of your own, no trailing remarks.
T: {"hour": 8, "minute": 27}
